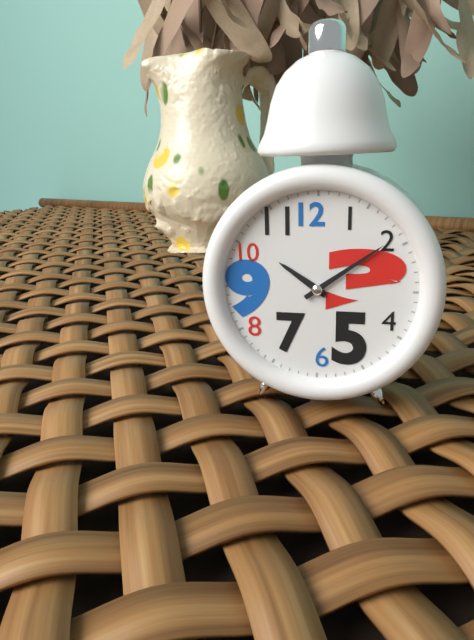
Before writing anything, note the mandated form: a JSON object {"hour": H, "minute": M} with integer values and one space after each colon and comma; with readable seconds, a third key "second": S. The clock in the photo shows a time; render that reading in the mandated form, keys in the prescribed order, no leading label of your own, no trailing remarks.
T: {"hour": 10, "minute": 9}
